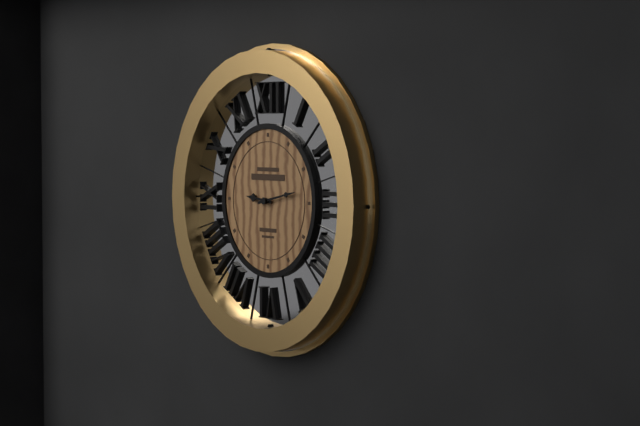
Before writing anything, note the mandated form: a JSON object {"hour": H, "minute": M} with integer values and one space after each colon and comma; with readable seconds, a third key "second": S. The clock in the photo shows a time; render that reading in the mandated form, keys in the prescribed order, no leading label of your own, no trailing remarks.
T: {"hour": 9, "minute": 13}
